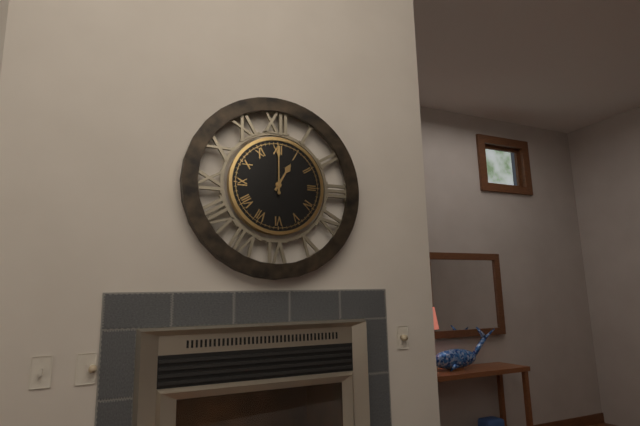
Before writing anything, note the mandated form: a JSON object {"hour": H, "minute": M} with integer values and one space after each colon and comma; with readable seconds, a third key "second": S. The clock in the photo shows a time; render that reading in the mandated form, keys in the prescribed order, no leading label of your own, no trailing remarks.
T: {"hour": 1, "minute": 0}
